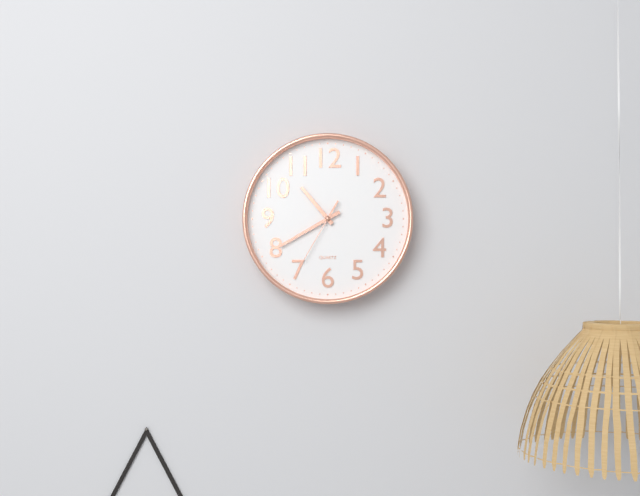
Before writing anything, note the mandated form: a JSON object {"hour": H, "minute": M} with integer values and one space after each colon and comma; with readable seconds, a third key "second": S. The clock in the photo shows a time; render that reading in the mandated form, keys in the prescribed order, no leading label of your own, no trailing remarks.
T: {"hour": 10, "minute": 40, "second": 35}
